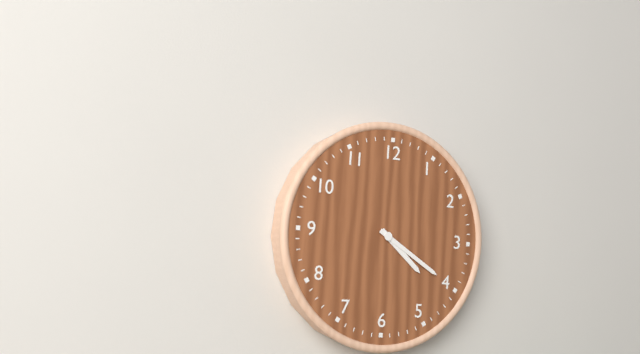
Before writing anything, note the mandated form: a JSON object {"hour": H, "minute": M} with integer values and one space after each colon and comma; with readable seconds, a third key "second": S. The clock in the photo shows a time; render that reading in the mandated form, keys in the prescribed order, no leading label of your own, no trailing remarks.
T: {"hour": 4, "minute": 20}
